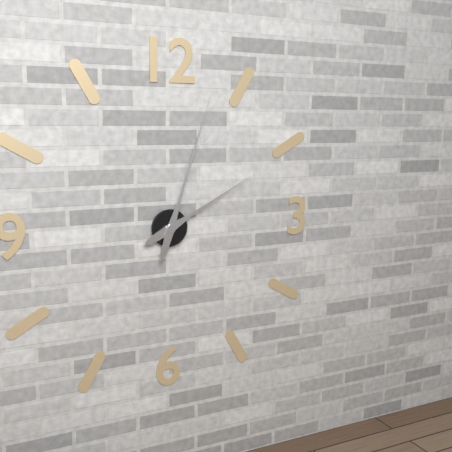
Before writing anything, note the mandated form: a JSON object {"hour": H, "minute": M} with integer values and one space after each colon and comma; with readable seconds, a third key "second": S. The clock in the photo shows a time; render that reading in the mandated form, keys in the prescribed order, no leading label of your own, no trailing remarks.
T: {"hour": 2, "minute": 3}
